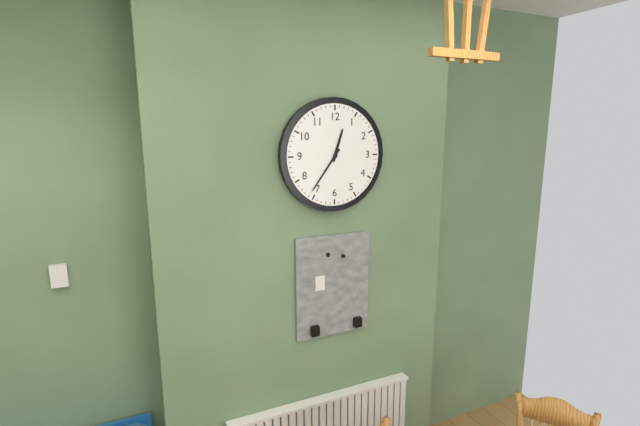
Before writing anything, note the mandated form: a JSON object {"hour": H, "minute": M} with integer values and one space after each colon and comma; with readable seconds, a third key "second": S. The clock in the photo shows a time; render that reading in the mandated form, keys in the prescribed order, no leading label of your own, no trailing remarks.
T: {"hour": 12, "minute": 36}
